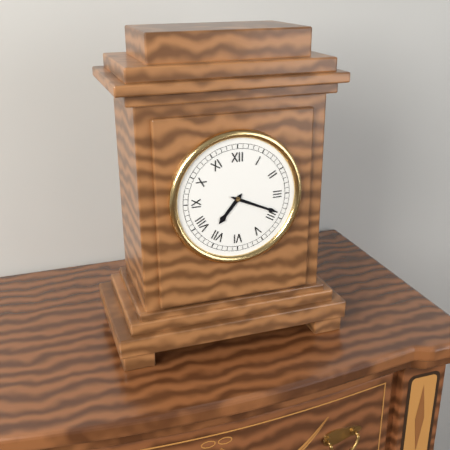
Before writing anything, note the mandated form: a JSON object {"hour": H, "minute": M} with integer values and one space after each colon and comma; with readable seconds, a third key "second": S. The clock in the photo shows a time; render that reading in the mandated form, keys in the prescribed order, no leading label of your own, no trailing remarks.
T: {"hour": 7, "minute": 19}
